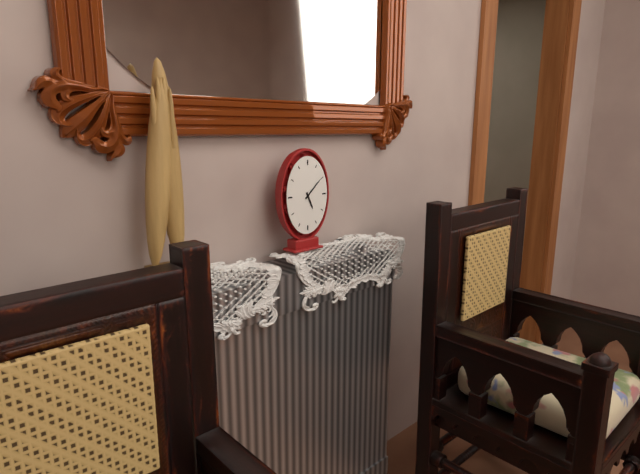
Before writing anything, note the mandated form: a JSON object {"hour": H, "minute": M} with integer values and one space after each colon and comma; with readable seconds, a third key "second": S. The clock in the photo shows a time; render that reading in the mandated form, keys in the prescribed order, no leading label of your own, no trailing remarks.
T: {"hour": 5, "minute": 8}
